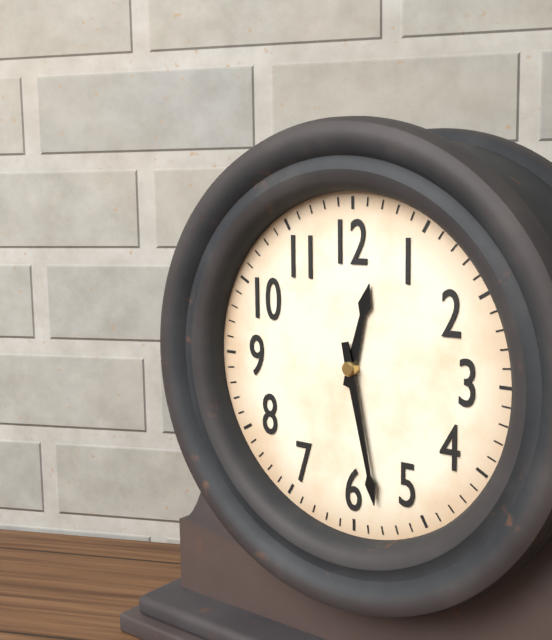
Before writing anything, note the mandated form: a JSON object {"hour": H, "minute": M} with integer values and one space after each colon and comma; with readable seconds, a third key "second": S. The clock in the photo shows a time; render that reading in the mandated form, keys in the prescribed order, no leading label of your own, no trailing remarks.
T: {"hour": 12, "minute": 28}
